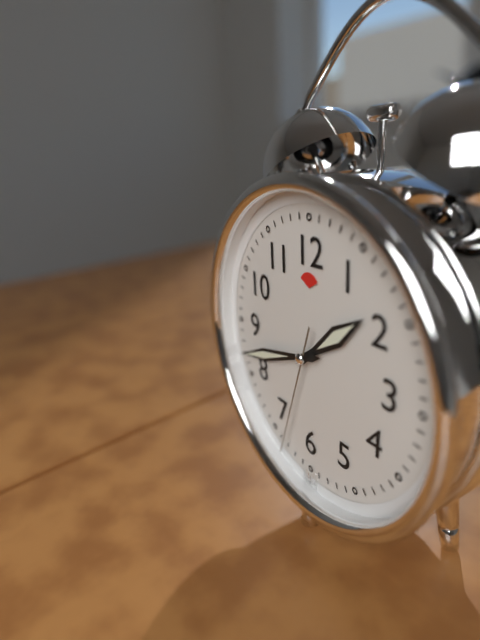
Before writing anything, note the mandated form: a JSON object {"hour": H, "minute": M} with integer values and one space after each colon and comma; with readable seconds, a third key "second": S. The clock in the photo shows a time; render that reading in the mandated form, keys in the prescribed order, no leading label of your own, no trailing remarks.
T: {"hour": 1, "minute": 42, "second": 33}
